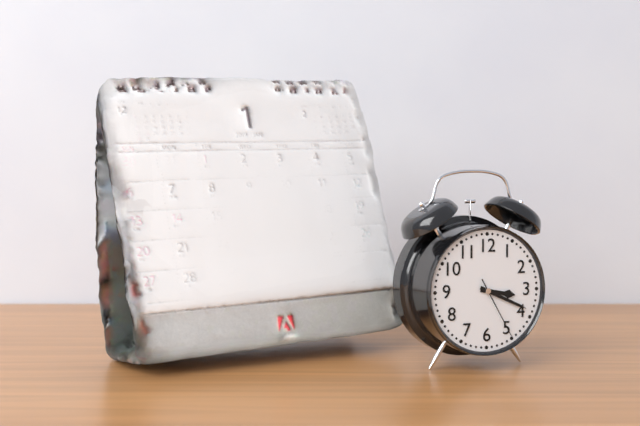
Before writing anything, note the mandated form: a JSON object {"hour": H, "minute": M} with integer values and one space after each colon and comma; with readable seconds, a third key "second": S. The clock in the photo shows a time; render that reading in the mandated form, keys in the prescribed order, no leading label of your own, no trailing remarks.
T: {"hour": 3, "minute": 19, "second": 25}
